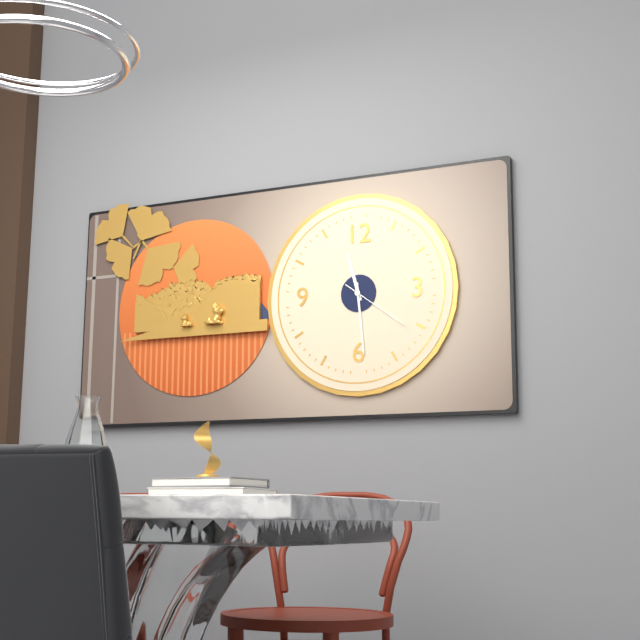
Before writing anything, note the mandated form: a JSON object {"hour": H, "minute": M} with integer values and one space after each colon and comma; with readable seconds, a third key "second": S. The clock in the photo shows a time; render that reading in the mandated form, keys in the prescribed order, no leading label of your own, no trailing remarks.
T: {"hour": 11, "minute": 29, "second": 21}
